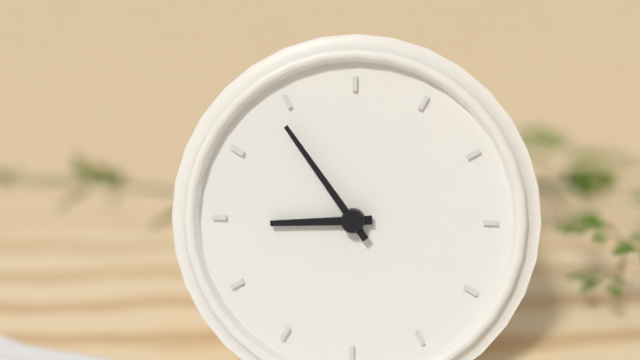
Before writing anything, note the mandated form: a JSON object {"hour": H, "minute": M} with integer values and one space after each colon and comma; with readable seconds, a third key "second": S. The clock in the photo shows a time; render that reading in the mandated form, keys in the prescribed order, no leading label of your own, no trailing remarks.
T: {"hour": 8, "minute": 54}
